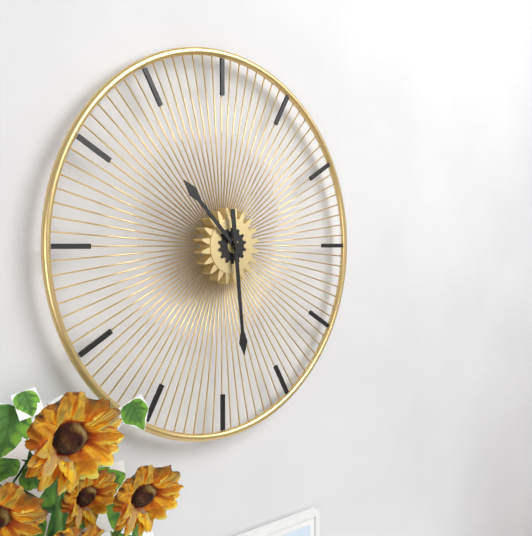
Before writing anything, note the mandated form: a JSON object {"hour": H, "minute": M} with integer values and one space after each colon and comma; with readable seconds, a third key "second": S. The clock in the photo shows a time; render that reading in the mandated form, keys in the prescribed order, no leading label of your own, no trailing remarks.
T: {"hour": 10, "minute": 29}
